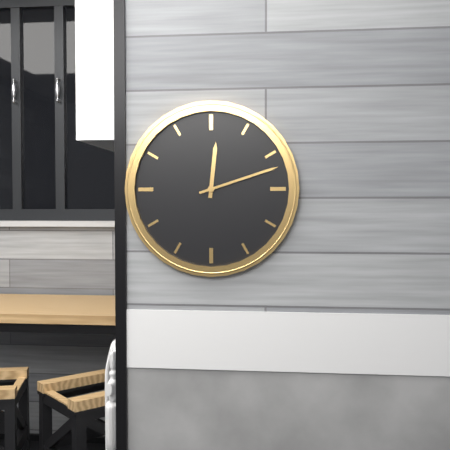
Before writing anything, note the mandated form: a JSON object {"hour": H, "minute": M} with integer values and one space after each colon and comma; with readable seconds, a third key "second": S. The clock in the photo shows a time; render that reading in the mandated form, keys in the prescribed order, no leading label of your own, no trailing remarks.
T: {"hour": 12, "minute": 12}
